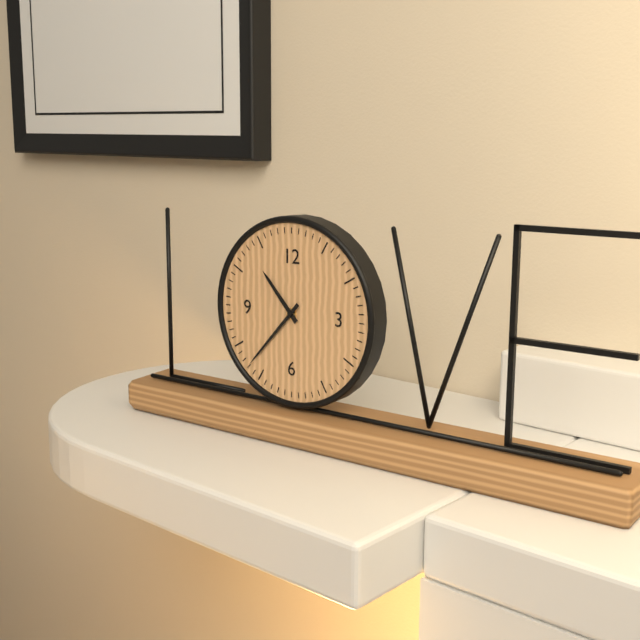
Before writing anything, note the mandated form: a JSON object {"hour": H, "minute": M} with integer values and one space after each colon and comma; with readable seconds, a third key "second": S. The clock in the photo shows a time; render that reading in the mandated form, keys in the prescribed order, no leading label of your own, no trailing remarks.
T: {"hour": 10, "minute": 37}
